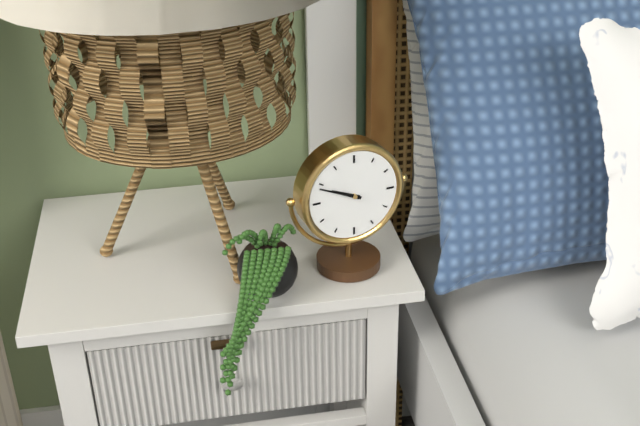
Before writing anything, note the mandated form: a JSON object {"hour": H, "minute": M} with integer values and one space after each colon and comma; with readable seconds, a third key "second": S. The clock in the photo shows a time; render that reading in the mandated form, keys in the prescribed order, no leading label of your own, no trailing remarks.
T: {"hour": 9, "minute": 49}
